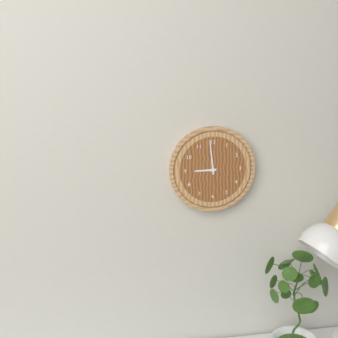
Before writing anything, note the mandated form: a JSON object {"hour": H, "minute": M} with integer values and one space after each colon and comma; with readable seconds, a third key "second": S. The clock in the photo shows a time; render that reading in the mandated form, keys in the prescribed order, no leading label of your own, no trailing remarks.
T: {"hour": 8, "minute": 59}
